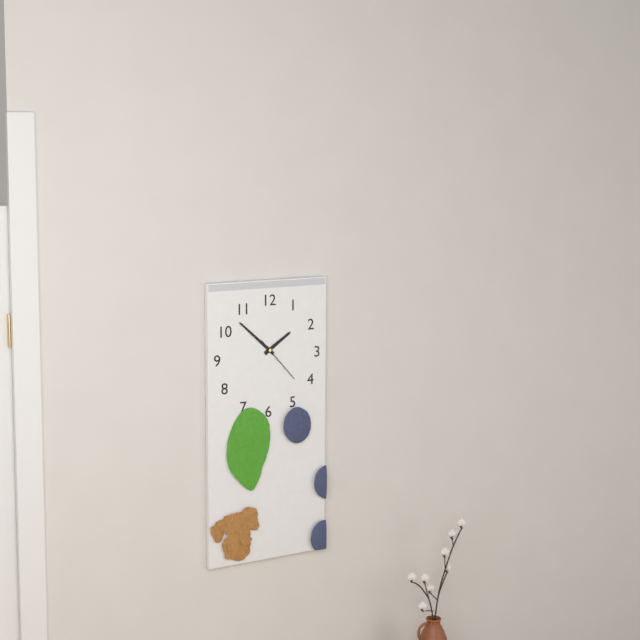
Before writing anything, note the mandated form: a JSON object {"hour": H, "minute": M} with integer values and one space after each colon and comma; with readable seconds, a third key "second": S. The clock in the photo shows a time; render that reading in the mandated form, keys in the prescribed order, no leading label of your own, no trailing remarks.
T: {"hour": 1, "minute": 52}
